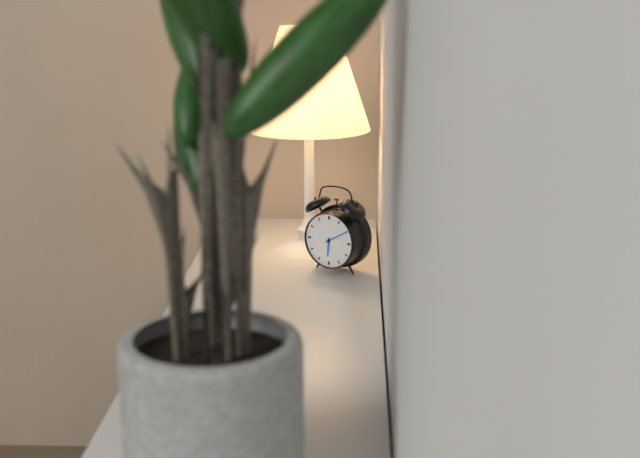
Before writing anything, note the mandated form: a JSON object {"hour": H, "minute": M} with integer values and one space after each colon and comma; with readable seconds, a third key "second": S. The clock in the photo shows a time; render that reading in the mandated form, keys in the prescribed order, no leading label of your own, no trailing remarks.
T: {"hour": 6, "minute": 10}
